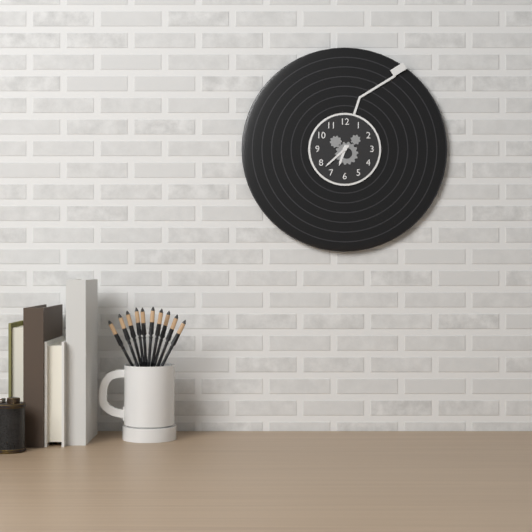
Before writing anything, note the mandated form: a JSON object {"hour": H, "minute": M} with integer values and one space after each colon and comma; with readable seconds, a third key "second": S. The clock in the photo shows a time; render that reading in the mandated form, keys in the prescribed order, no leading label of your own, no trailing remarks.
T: {"hour": 6, "minute": 38}
